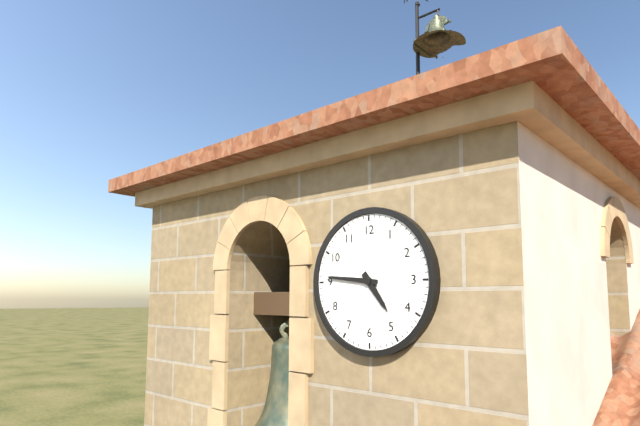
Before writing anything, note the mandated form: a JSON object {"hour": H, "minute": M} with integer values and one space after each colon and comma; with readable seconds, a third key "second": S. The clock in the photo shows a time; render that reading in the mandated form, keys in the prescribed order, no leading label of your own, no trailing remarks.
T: {"hour": 4, "minute": 46}
